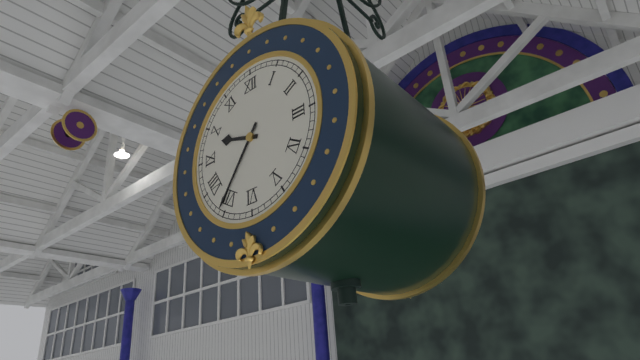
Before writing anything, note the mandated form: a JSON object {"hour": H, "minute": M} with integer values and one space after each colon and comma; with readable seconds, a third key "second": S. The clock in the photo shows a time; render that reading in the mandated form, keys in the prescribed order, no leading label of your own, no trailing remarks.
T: {"hour": 9, "minute": 36}
